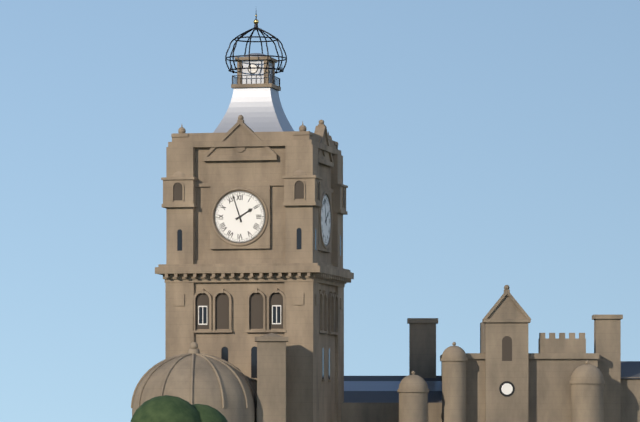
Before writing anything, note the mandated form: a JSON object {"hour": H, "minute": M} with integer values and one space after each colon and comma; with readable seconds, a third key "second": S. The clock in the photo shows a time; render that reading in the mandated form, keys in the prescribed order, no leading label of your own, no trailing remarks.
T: {"hour": 1, "minute": 57}
